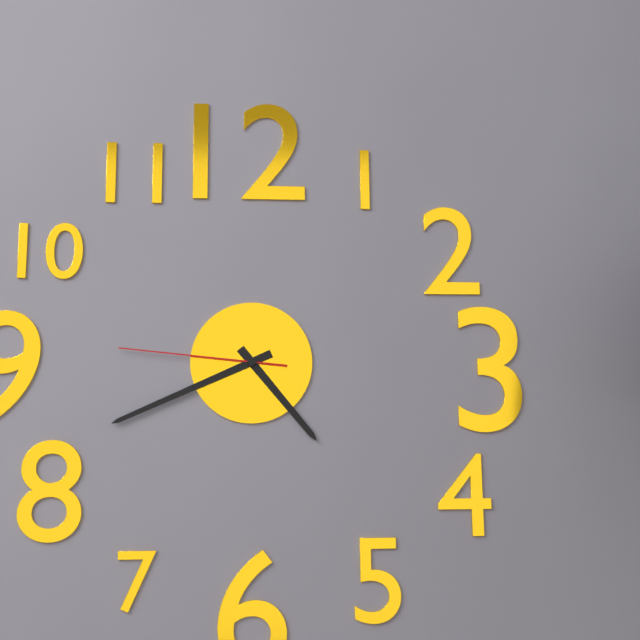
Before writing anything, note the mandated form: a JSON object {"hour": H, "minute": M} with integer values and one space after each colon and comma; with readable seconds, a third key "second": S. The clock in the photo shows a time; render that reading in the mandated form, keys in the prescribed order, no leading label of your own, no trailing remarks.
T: {"hour": 4, "minute": 41, "second": 46}
